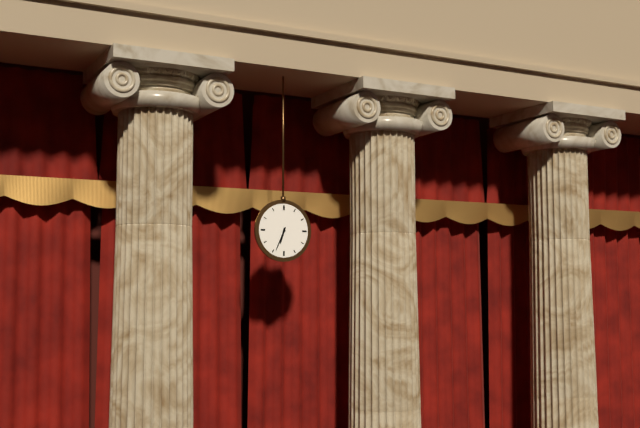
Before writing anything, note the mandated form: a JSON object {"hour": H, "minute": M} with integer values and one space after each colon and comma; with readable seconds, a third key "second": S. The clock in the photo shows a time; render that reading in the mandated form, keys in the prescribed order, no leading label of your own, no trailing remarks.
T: {"hour": 6, "minute": 34}
